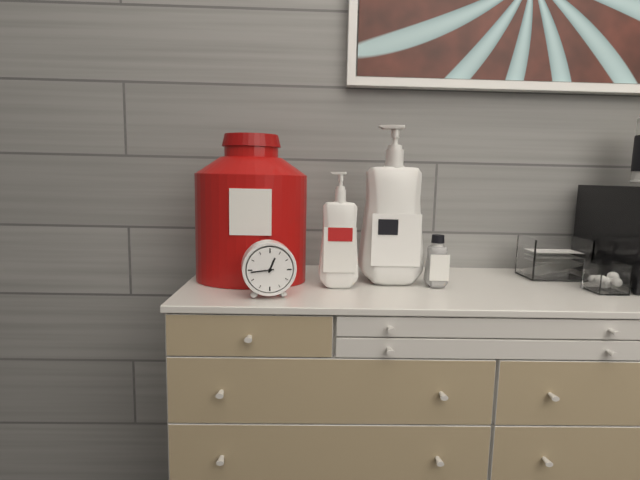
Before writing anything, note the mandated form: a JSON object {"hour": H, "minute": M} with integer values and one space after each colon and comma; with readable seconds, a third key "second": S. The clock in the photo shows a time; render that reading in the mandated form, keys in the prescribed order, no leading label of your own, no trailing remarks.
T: {"hour": 12, "minute": 44}
